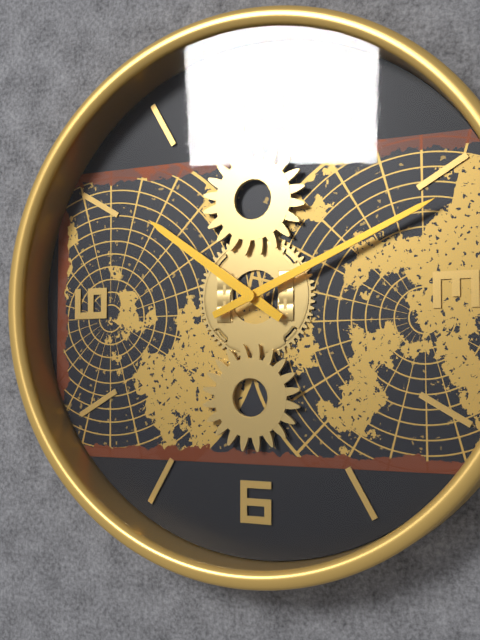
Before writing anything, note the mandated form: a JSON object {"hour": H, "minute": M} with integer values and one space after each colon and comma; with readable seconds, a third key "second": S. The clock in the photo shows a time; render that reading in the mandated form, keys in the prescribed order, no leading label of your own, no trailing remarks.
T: {"hour": 10, "minute": 11}
